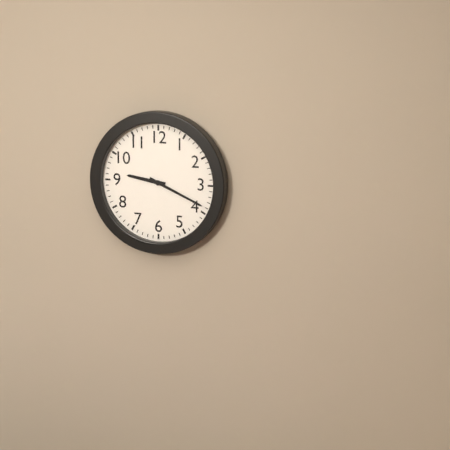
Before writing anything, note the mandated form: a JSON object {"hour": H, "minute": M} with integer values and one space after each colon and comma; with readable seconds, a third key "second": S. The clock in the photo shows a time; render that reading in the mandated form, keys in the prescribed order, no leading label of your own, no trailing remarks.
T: {"hour": 9, "minute": 19}
